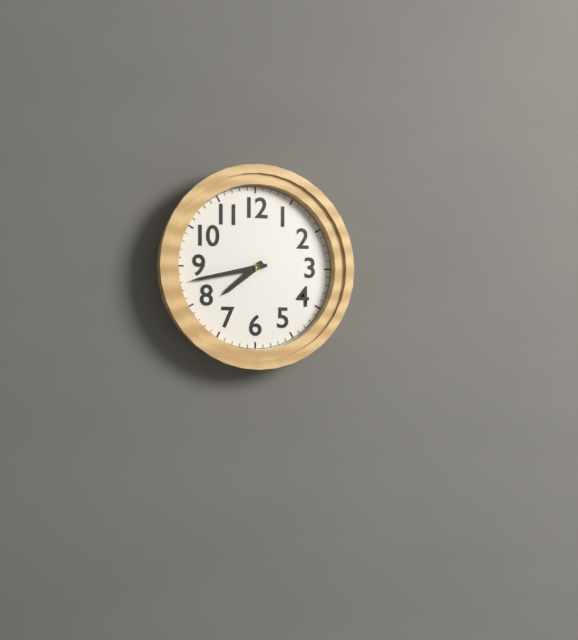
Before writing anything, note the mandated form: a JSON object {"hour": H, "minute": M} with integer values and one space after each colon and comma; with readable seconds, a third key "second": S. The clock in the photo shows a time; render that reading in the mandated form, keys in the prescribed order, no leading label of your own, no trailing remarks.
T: {"hour": 7, "minute": 43}
